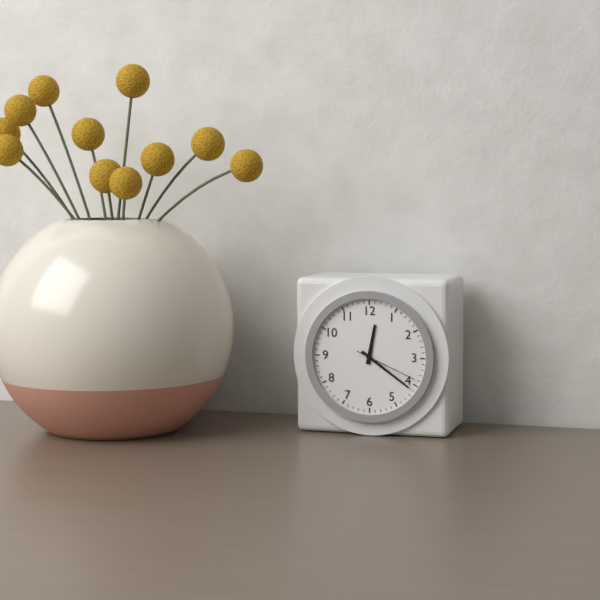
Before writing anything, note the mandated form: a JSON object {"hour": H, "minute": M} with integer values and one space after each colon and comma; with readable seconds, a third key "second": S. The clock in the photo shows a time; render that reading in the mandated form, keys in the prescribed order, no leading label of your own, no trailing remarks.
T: {"hour": 12, "minute": 21, "second": 19}
